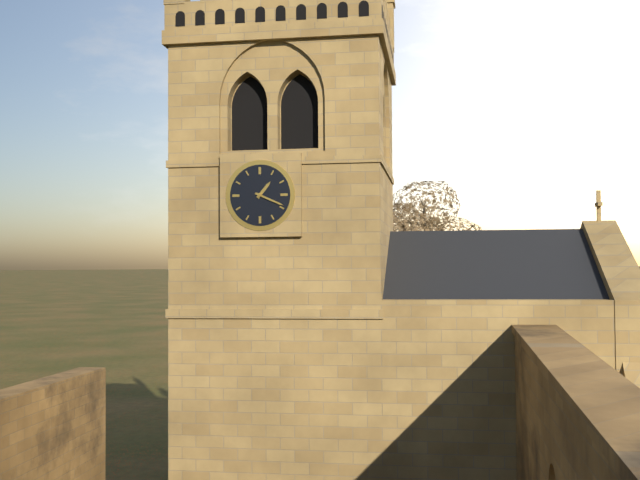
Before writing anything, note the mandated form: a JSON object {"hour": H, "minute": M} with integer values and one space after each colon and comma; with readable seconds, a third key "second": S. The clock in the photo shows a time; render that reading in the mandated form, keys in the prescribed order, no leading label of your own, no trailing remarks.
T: {"hour": 1, "minute": 19}
